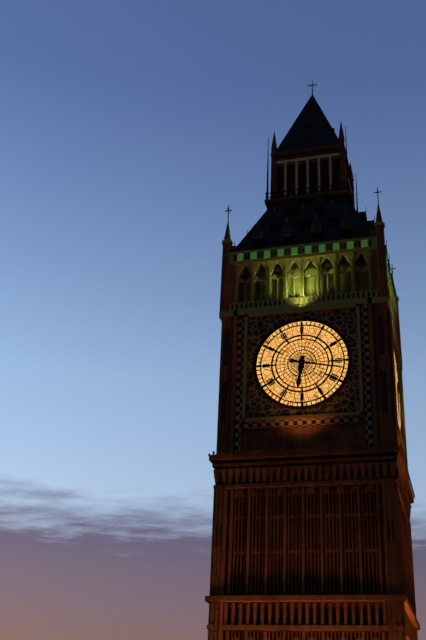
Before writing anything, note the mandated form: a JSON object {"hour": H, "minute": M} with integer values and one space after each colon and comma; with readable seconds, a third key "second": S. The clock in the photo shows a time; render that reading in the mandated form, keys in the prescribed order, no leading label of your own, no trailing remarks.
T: {"hour": 6, "minute": 17}
